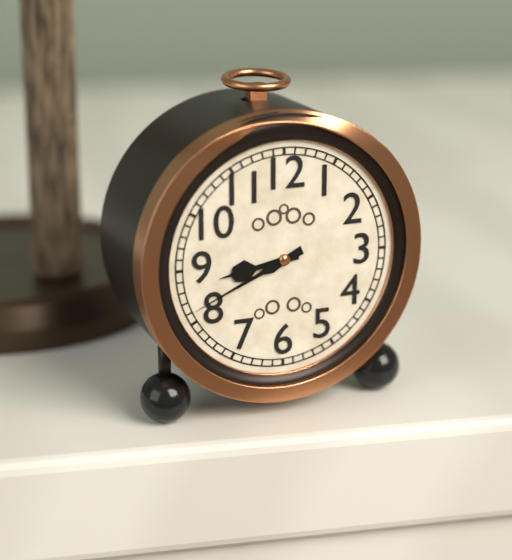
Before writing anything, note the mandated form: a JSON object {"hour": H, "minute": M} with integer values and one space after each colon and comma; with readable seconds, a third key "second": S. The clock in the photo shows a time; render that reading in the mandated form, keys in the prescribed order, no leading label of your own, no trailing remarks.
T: {"hour": 8, "minute": 41}
